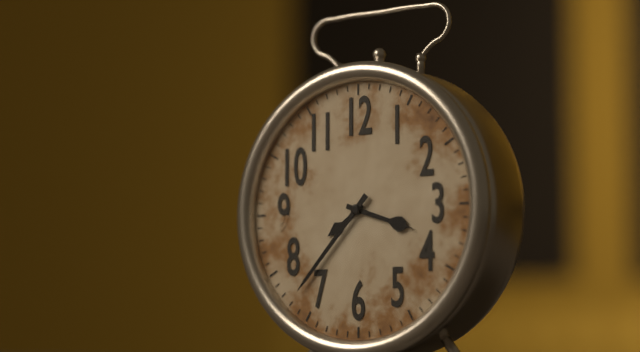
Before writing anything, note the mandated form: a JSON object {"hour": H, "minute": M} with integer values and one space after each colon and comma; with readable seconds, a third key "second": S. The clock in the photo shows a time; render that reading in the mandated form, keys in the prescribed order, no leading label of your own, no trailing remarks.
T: {"hour": 3, "minute": 37}
